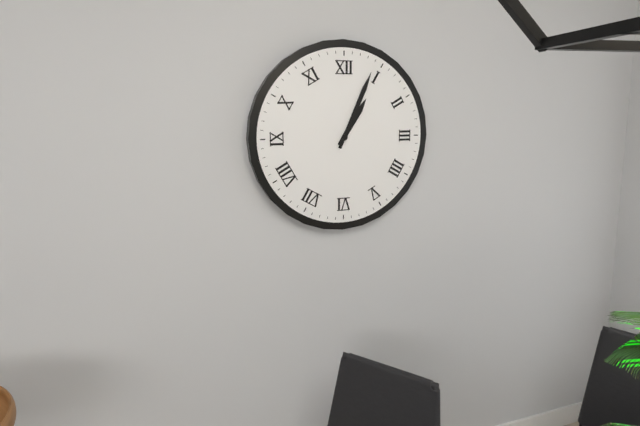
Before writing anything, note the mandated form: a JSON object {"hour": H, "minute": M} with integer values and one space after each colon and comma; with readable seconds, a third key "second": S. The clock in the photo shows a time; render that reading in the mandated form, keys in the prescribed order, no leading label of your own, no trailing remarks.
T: {"hour": 1, "minute": 4}
